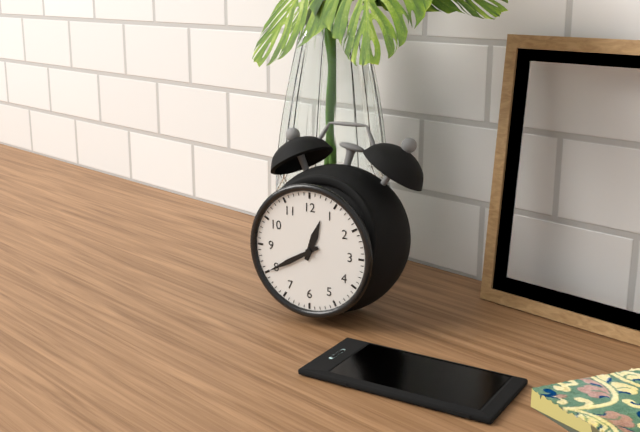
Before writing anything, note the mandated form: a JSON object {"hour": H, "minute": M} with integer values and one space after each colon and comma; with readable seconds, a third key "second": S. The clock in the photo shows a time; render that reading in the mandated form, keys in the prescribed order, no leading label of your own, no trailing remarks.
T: {"hour": 12, "minute": 40}
